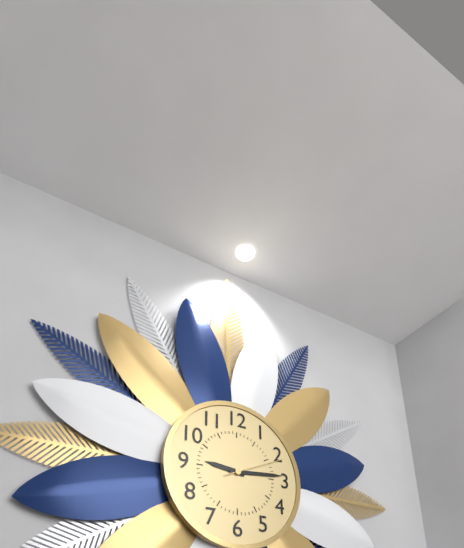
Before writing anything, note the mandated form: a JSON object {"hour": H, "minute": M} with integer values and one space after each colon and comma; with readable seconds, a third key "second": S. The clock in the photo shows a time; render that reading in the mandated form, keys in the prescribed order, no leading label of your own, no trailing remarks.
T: {"hour": 9, "minute": 14, "second": 11}
